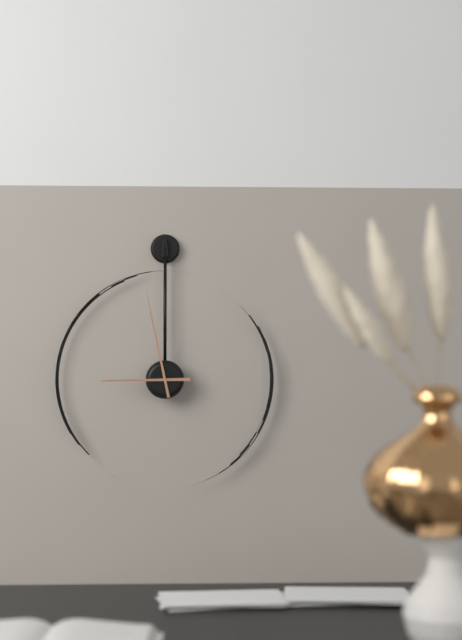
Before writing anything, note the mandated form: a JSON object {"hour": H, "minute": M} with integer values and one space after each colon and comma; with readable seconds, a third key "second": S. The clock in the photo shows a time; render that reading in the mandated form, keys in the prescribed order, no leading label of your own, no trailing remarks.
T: {"hour": 8, "minute": 58}
